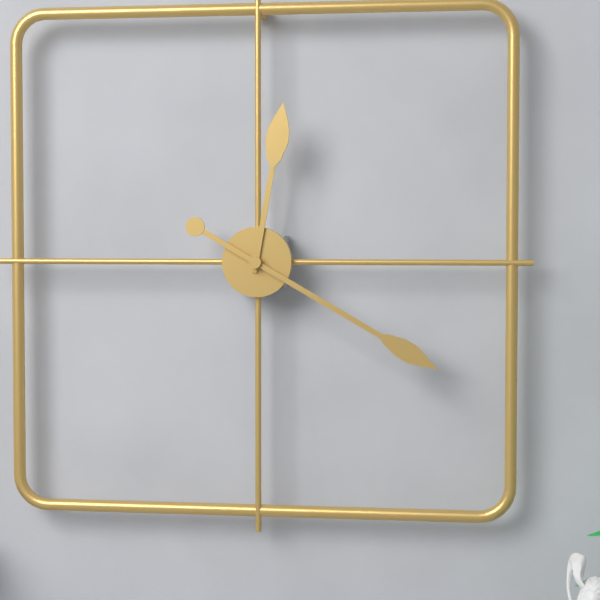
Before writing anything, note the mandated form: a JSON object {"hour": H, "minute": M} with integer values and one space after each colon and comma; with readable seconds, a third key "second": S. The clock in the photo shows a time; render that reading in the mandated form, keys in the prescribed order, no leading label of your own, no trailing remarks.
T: {"hour": 12, "minute": 20}
